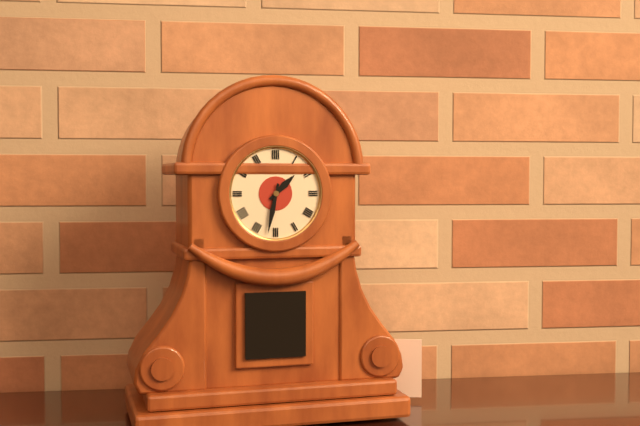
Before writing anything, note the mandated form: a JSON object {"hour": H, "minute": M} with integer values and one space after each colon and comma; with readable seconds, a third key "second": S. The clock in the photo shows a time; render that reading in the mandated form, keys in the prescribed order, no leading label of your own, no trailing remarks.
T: {"hour": 1, "minute": 32}
